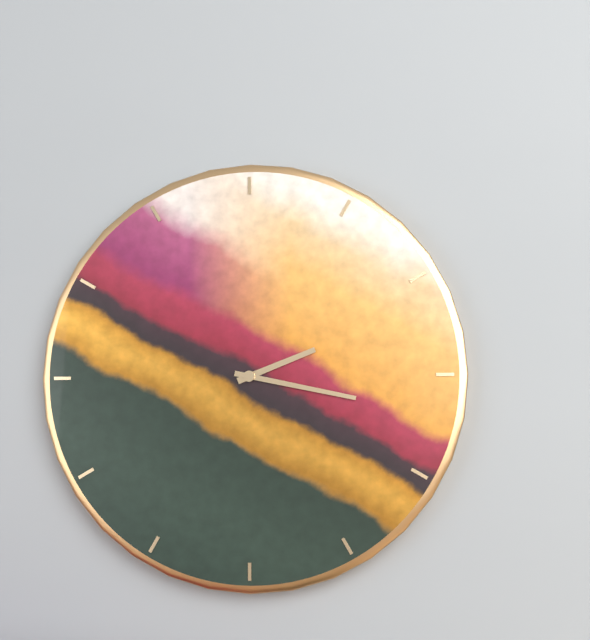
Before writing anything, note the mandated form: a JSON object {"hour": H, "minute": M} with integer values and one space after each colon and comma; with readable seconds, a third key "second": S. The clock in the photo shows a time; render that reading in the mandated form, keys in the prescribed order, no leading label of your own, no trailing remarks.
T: {"hour": 2, "minute": 17}
